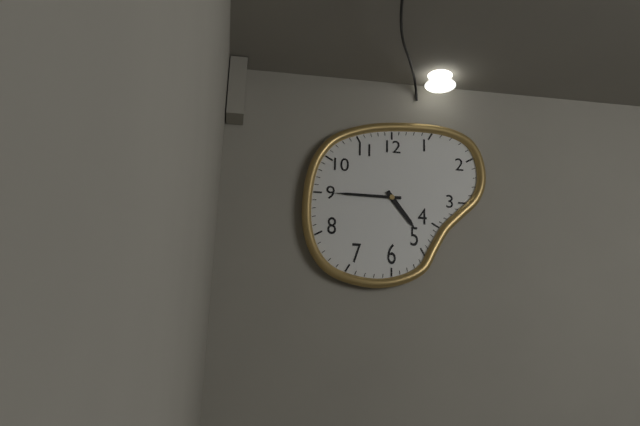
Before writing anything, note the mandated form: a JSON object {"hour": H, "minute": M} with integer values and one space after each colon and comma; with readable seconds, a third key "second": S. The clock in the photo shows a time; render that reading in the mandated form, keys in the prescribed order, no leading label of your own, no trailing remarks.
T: {"hour": 4, "minute": 45}
